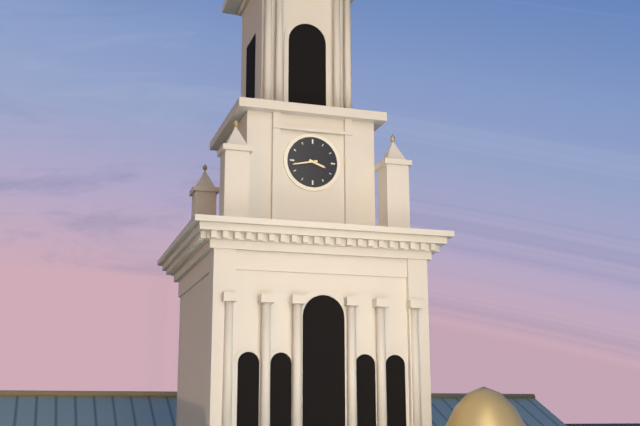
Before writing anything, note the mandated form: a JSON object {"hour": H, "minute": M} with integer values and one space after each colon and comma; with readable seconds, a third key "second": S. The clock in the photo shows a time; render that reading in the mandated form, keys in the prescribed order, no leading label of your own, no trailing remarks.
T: {"hour": 3, "minute": 43}
